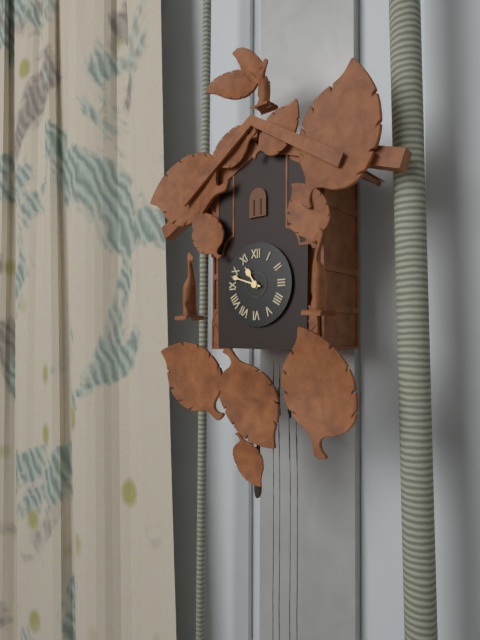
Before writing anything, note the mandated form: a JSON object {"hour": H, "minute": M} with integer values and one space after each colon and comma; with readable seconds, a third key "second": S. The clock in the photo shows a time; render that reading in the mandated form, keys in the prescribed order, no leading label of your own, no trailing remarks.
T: {"hour": 10, "minute": 48}
